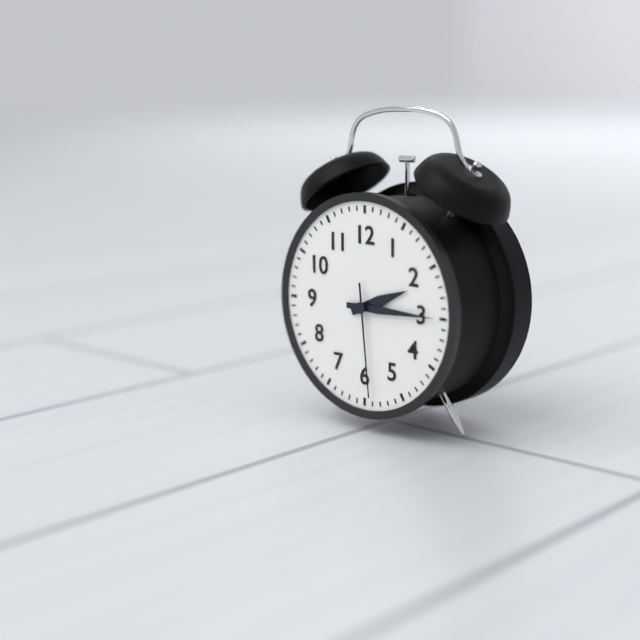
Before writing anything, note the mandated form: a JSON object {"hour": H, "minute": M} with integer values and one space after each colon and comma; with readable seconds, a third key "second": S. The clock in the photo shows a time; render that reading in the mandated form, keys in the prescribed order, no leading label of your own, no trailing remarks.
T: {"hour": 2, "minute": 15, "second": 29}
